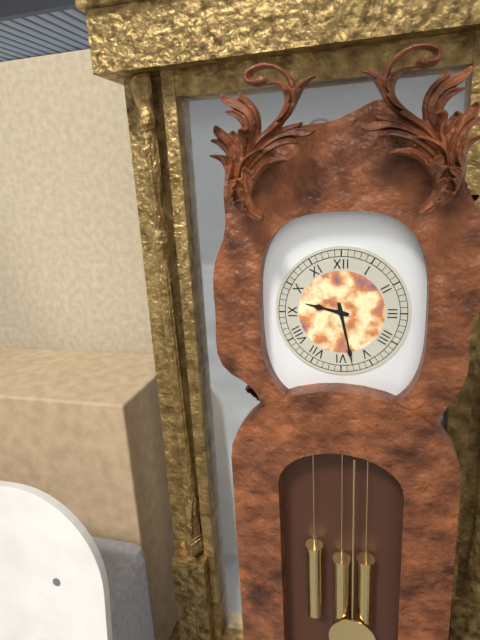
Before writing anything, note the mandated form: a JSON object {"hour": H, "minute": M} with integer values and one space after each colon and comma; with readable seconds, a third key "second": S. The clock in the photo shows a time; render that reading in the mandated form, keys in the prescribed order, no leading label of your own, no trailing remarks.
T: {"hour": 9, "minute": 28}
